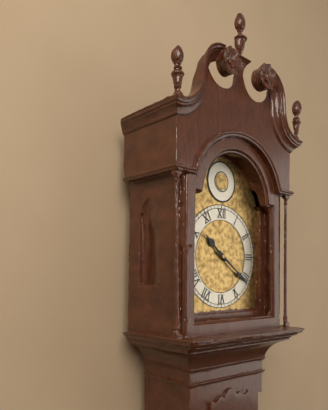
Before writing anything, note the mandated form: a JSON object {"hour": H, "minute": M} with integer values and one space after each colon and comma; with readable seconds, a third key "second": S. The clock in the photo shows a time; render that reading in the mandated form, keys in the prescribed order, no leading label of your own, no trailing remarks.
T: {"hour": 10, "minute": 21}
